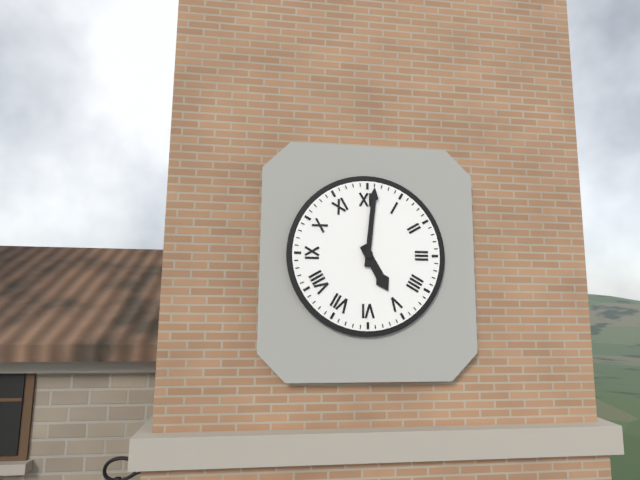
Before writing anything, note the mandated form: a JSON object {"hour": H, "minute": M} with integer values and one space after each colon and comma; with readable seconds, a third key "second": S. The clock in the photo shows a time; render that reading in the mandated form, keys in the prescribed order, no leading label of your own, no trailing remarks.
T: {"hour": 5, "minute": 1}
